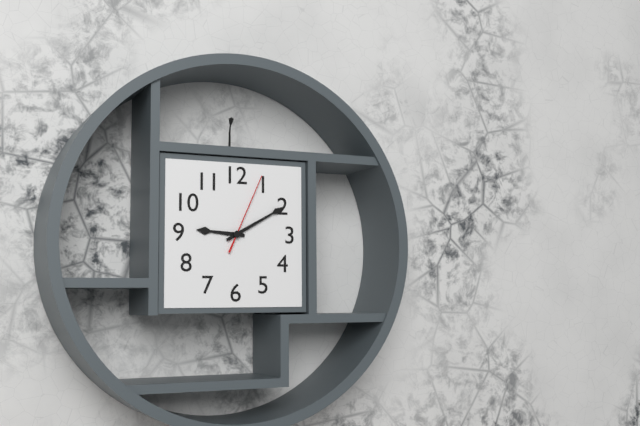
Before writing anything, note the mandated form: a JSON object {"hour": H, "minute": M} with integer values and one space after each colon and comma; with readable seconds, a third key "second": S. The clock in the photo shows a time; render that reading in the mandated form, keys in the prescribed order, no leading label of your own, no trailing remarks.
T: {"hour": 9, "minute": 10, "second": 4}
